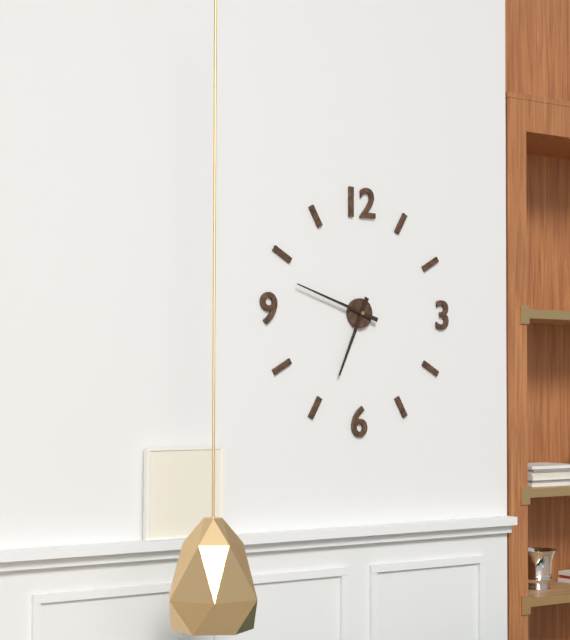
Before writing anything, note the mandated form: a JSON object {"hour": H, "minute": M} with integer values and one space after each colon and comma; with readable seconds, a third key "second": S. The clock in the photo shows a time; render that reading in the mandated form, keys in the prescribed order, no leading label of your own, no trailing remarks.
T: {"hour": 6, "minute": 48}
